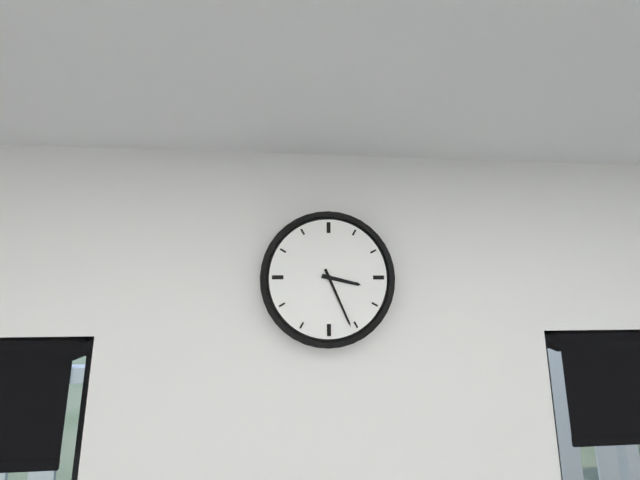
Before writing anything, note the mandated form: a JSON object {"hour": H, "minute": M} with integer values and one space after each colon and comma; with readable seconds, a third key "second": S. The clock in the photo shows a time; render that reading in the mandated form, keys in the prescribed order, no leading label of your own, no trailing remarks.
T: {"hour": 3, "minute": 26}
